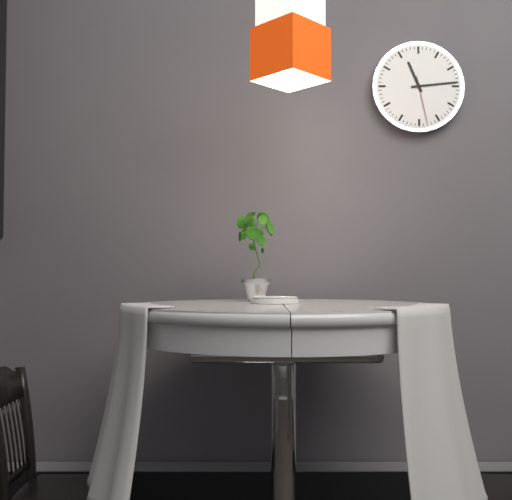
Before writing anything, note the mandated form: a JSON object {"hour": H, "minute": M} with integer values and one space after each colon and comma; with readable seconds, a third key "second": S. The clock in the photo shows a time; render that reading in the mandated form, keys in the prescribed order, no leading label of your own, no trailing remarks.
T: {"hour": 11, "minute": 14}
